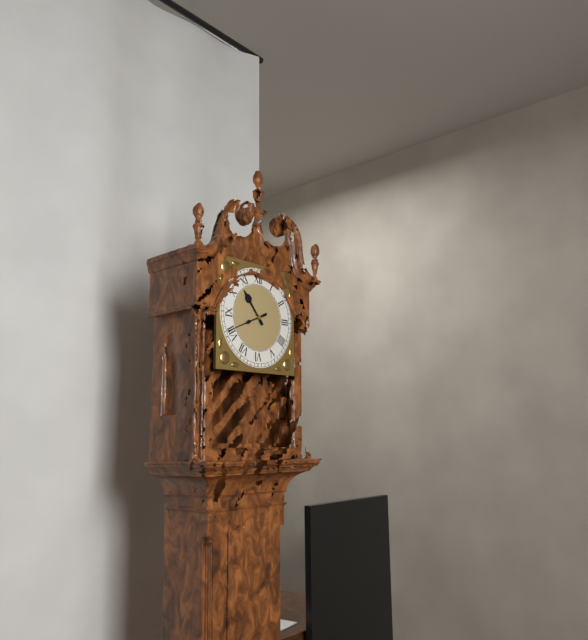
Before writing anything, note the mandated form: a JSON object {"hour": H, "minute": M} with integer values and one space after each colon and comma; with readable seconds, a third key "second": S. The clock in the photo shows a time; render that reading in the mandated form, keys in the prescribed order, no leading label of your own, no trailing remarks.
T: {"hour": 10, "minute": 41}
